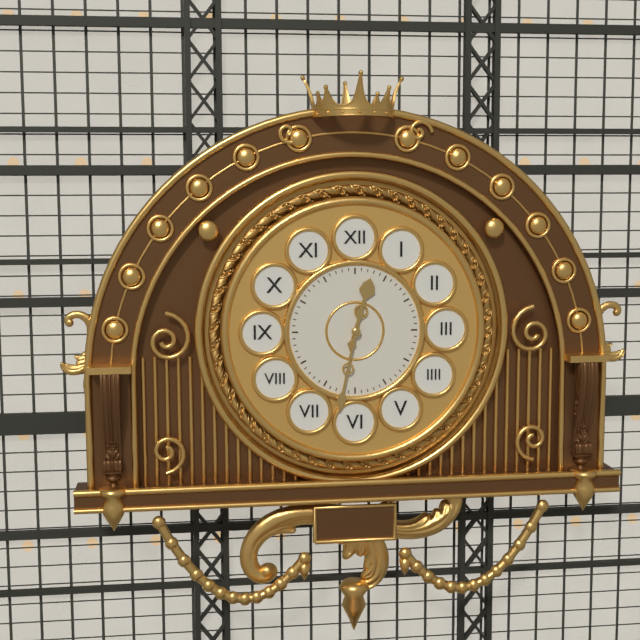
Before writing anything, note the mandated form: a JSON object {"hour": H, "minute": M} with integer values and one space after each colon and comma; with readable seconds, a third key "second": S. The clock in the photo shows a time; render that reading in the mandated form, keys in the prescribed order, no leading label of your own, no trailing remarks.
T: {"hour": 12, "minute": 32}
